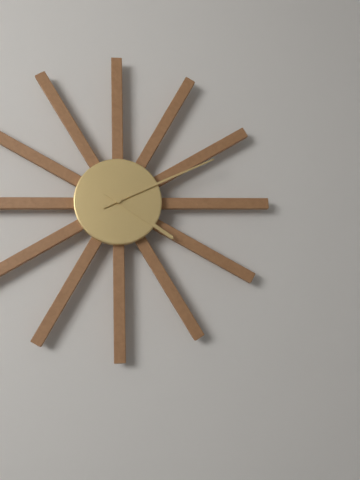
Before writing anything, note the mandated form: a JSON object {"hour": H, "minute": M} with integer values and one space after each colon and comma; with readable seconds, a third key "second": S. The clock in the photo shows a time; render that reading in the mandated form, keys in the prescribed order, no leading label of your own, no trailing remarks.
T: {"hour": 4, "minute": 11}
